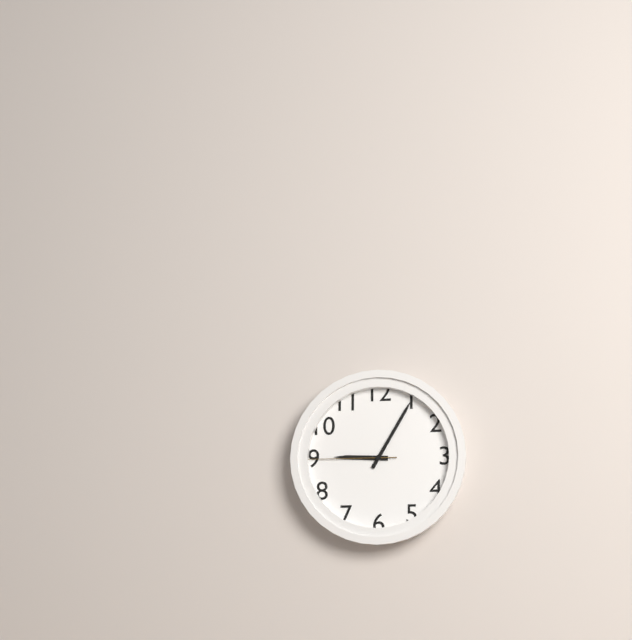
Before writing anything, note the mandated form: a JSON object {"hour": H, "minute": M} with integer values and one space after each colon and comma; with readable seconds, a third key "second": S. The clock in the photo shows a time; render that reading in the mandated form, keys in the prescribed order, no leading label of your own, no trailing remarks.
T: {"hour": 9, "minute": 5, "second": 45}
